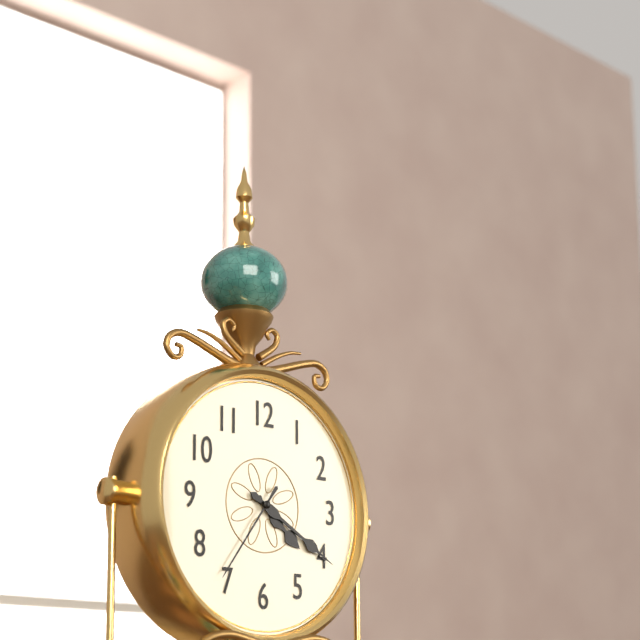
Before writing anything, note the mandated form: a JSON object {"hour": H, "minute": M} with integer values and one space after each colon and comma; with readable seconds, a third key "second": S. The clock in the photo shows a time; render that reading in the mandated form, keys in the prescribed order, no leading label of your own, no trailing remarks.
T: {"hour": 4, "minute": 20, "second": 36}
